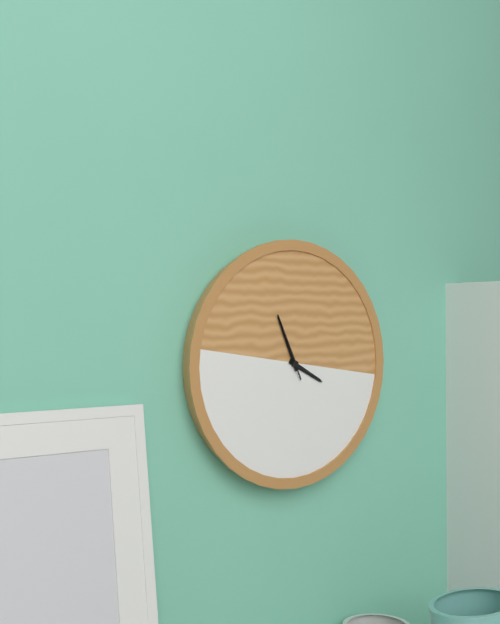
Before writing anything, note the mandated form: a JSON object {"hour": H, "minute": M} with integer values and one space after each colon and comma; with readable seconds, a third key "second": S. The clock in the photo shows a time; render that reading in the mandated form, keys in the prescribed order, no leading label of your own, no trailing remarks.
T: {"hour": 3, "minute": 56, "second": 56}
